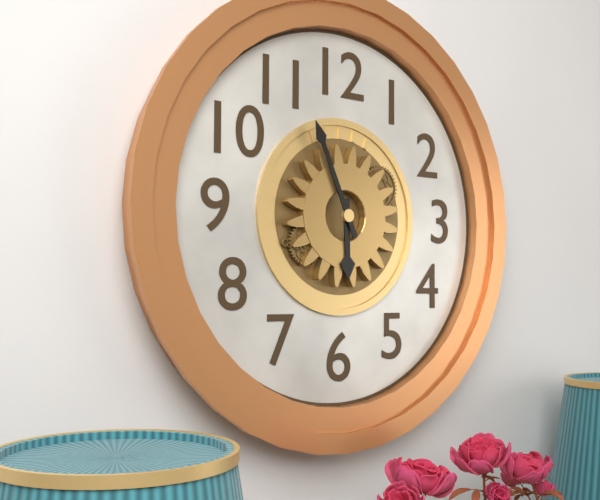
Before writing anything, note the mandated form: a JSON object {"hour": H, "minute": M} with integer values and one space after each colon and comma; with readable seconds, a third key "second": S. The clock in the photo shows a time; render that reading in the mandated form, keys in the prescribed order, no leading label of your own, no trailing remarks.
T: {"hour": 5, "minute": 56}
